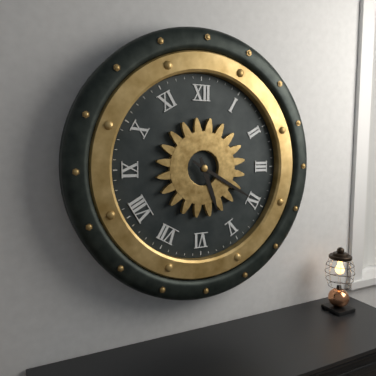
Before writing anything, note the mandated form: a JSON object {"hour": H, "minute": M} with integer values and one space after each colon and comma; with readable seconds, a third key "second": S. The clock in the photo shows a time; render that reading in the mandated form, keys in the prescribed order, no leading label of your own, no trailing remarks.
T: {"hour": 5, "minute": 20}
